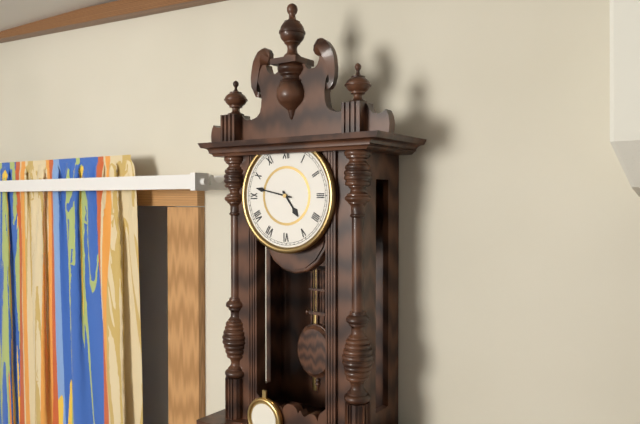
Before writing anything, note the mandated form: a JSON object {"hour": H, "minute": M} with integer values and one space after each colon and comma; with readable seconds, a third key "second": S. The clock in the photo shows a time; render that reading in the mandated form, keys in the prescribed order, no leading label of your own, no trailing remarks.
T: {"hour": 4, "minute": 47}
